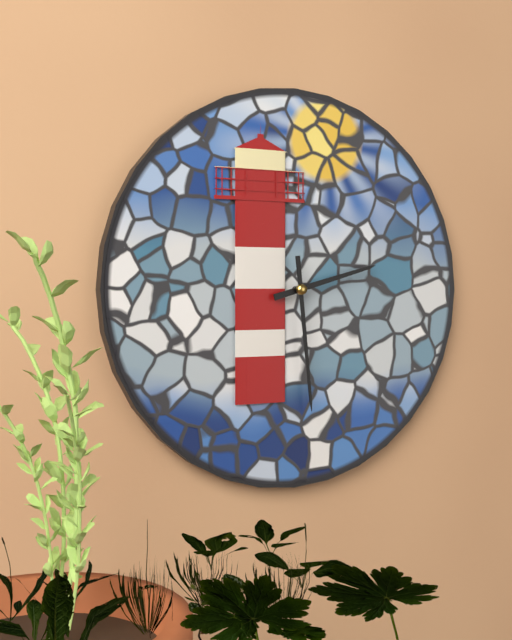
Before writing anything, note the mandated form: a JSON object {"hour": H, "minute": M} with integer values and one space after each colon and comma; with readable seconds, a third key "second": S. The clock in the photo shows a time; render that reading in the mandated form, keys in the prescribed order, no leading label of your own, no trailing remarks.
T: {"hour": 2, "minute": 29}
